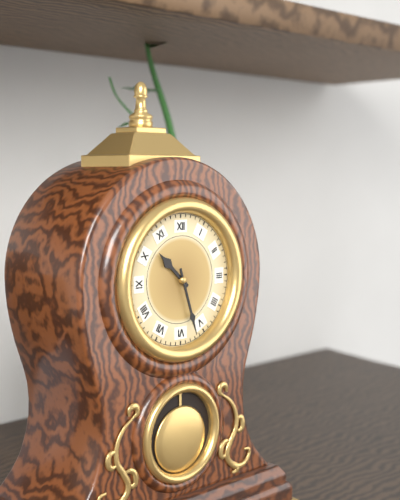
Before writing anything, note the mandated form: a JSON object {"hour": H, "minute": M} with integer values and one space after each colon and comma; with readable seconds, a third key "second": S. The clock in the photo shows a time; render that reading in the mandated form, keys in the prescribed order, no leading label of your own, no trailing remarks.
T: {"hour": 10, "minute": 27}
